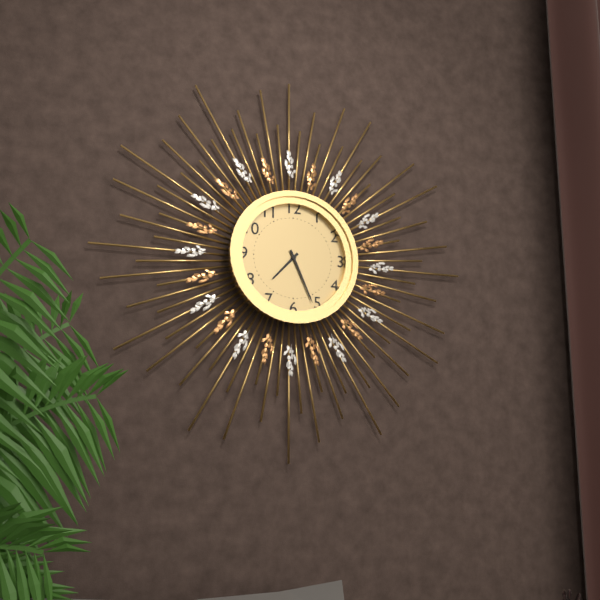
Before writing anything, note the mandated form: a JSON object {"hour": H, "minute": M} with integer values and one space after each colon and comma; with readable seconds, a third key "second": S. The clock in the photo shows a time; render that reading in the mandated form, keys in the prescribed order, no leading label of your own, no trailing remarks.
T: {"hour": 7, "minute": 26}
